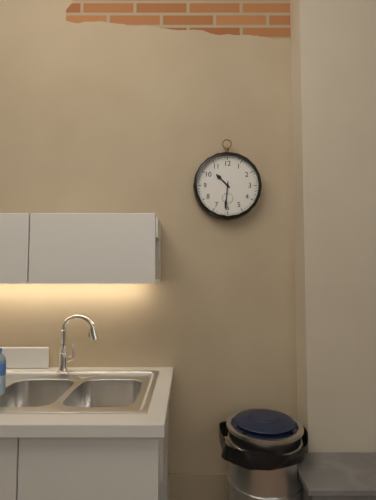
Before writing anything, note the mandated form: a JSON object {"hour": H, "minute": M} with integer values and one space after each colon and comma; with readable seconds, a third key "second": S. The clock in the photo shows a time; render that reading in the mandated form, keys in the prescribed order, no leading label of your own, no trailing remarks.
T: {"hour": 10, "minute": 31}
